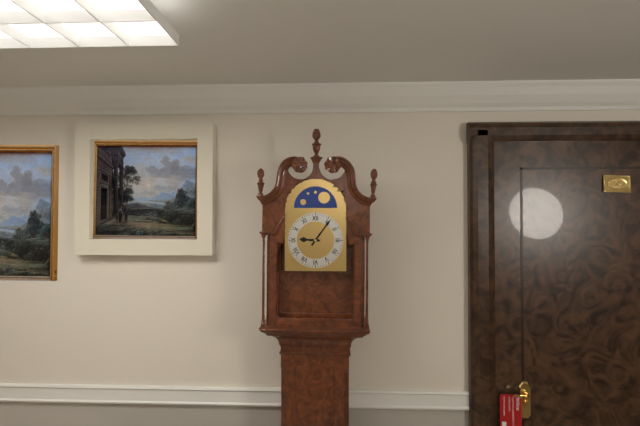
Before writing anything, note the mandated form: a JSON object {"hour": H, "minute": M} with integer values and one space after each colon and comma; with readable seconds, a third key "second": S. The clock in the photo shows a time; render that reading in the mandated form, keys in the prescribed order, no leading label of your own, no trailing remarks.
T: {"hour": 9, "minute": 6}
